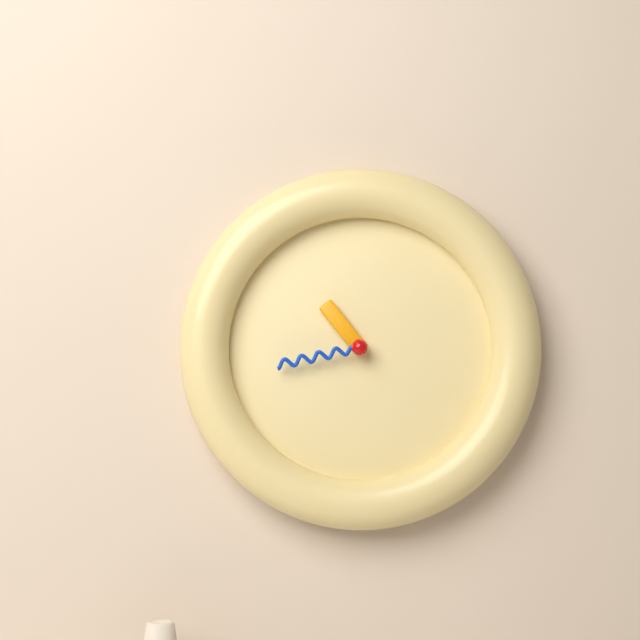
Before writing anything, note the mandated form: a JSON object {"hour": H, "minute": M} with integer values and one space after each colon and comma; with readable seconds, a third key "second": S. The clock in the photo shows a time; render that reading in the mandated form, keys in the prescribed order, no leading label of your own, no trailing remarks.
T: {"hour": 10, "minute": 43}
